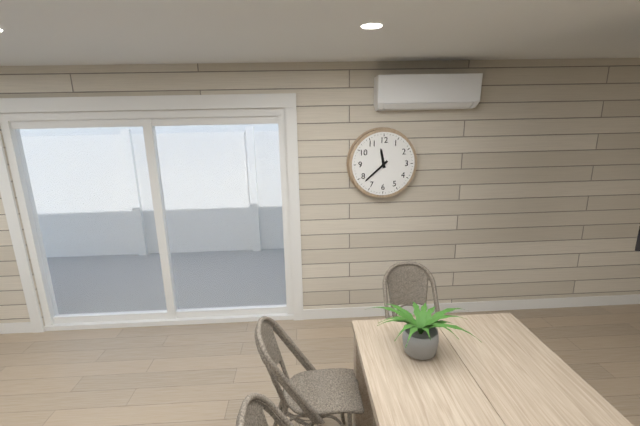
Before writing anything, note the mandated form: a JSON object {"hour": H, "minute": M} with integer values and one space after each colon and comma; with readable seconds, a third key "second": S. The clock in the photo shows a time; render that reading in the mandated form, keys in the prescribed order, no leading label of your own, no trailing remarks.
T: {"hour": 11, "minute": 38}
